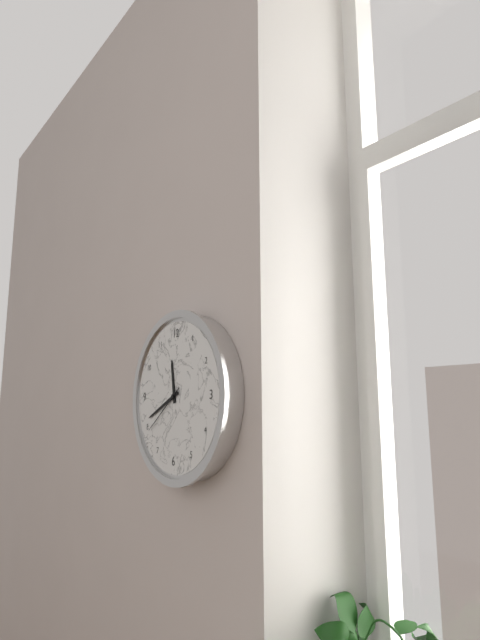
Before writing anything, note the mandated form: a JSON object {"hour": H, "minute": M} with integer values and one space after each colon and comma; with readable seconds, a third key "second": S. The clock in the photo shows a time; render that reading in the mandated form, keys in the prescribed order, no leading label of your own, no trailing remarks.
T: {"hour": 11, "minute": 41, "second": 39}
